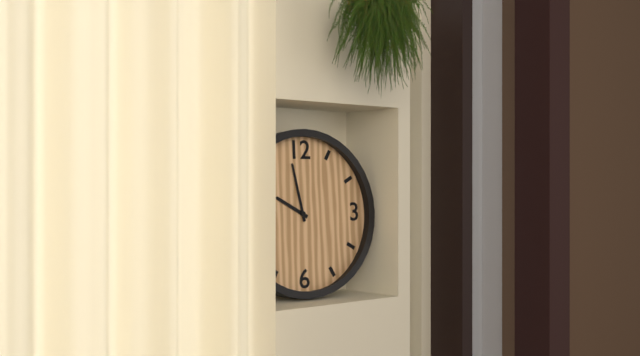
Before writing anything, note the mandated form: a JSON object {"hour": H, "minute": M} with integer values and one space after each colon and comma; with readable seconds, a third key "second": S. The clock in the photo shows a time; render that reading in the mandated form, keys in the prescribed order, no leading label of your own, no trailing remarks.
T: {"hour": 9, "minute": 58}
